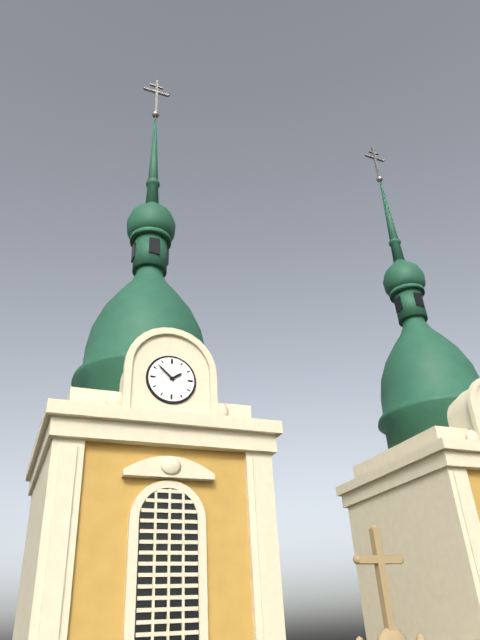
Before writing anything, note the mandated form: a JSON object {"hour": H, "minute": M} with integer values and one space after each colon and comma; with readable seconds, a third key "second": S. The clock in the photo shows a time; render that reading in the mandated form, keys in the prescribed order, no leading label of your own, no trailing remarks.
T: {"hour": 1, "minute": 52}
